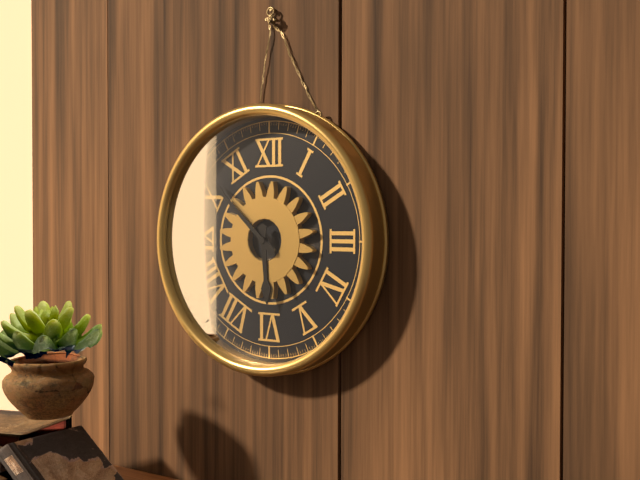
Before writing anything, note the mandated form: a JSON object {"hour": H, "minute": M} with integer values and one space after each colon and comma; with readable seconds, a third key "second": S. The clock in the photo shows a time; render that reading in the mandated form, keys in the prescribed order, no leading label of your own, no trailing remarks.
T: {"hour": 5, "minute": 52}
